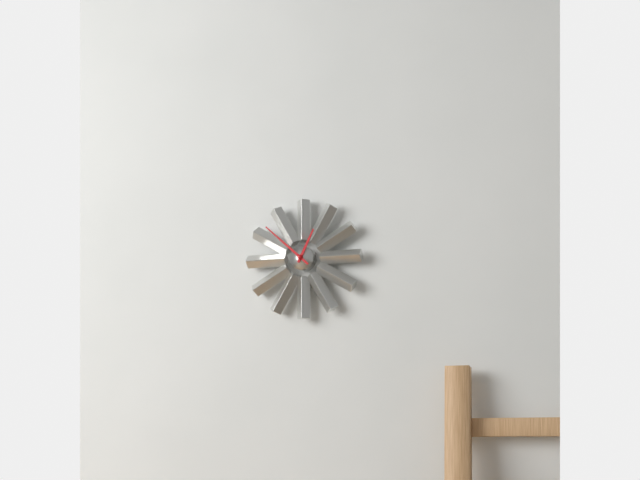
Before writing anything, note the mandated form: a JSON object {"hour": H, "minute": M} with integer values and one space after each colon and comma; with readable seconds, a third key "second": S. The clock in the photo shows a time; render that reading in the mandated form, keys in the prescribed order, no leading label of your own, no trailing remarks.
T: {"hour": 12, "minute": 52}
